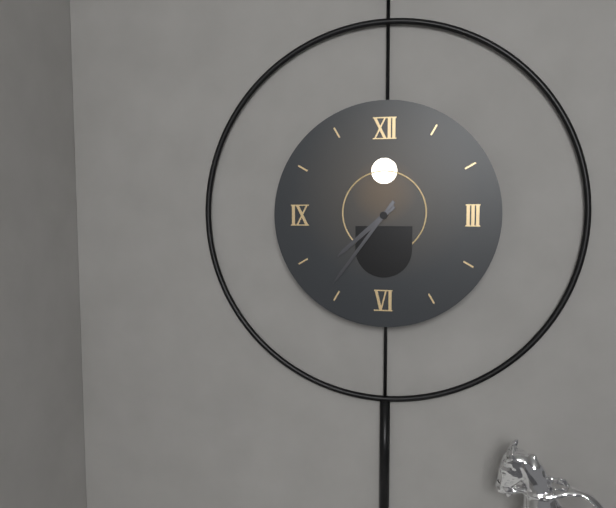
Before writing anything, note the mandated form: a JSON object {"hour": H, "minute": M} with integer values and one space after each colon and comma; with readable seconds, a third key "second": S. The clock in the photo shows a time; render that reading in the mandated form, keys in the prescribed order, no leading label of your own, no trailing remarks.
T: {"hour": 7, "minute": 36}
